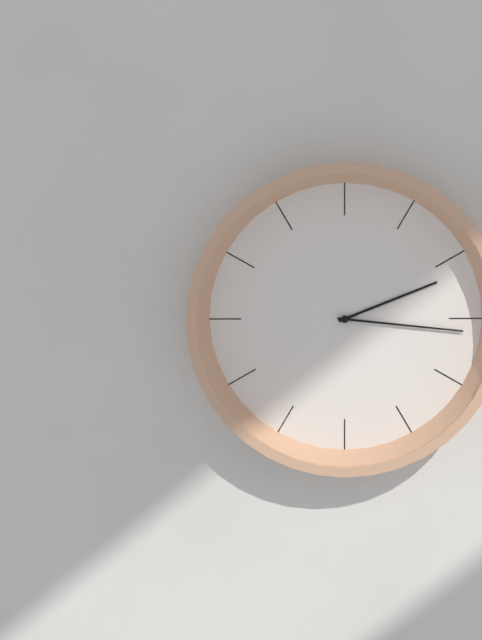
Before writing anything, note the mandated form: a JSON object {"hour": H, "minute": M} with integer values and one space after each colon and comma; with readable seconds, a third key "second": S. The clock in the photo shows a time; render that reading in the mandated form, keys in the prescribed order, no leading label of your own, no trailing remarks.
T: {"hour": 2, "minute": 16}
